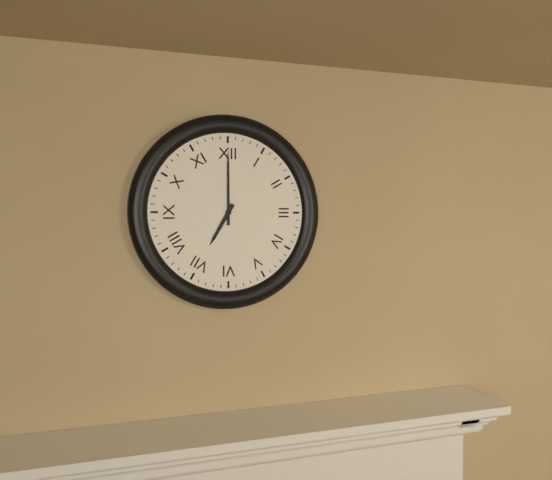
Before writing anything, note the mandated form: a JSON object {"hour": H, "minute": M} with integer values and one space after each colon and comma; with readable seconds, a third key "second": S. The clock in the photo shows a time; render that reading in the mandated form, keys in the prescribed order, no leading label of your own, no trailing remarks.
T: {"hour": 7, "minute": 0}
